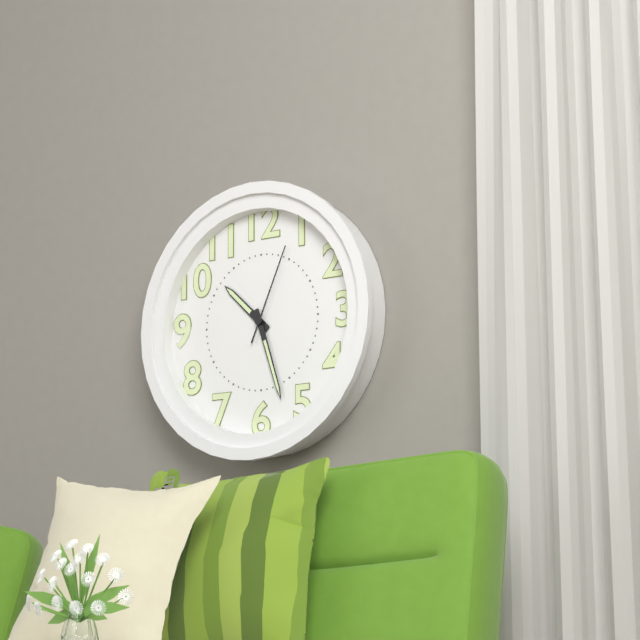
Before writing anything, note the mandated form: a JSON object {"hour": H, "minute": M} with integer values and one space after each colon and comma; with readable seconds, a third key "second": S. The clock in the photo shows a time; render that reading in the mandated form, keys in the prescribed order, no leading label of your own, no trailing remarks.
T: {"hour": 10, "minute": 27, "second": 4}
